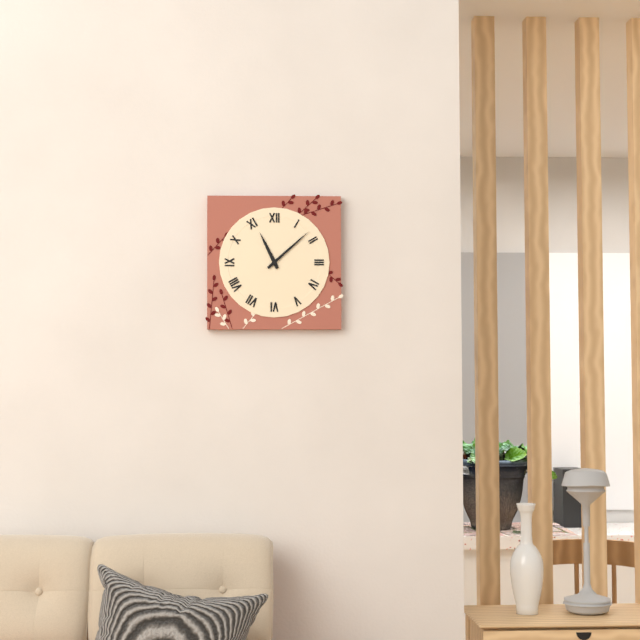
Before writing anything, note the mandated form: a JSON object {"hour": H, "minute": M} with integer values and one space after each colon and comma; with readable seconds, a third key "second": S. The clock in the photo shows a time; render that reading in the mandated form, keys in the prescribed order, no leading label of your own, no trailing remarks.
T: {"hour": 11, "minute": 8}
